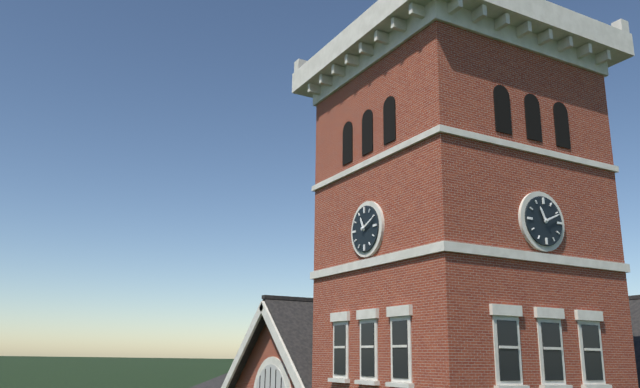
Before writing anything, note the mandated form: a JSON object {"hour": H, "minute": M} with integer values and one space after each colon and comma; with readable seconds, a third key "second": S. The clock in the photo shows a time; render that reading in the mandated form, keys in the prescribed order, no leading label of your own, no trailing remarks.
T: {"hour": 11, "minute": 11}
